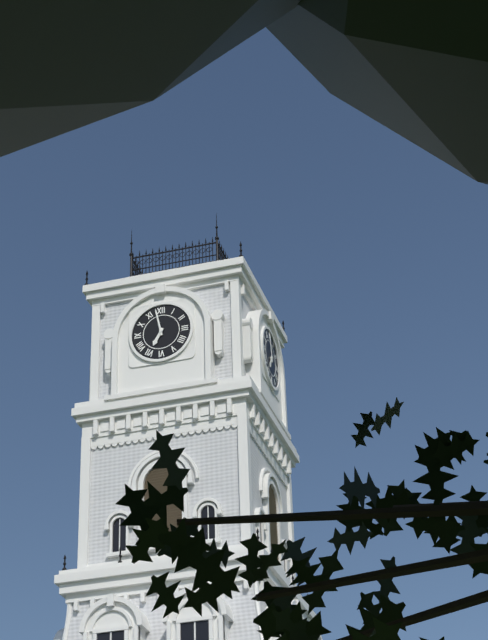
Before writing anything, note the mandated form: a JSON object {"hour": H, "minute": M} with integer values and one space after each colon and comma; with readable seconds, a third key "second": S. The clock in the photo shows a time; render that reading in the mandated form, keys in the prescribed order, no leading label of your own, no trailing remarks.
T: {"hour": 6, "minute": 58}
